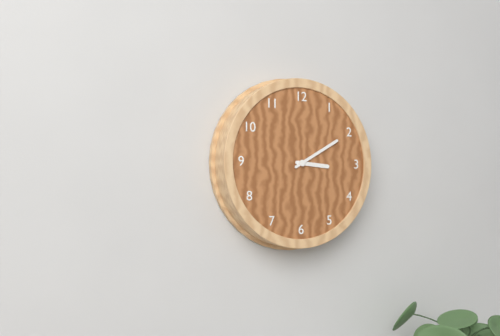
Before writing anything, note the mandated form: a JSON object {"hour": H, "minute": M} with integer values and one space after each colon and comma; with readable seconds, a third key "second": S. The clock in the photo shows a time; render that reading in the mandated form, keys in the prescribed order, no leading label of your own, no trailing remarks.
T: {"hour": 3, "minute": 10}
